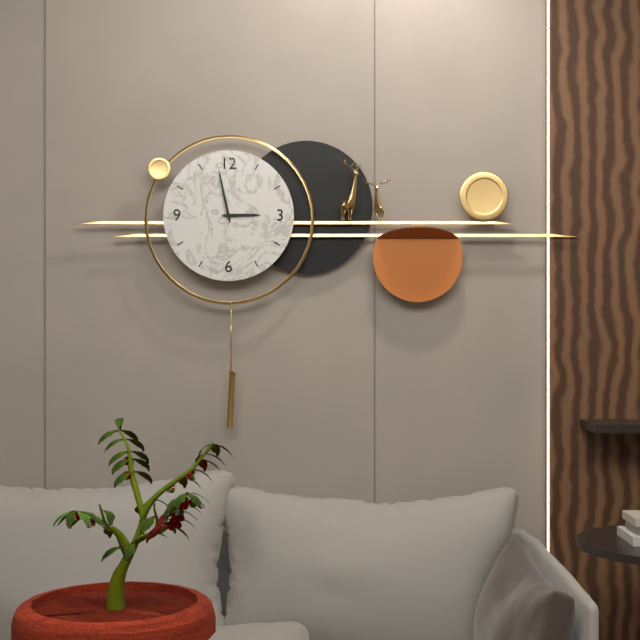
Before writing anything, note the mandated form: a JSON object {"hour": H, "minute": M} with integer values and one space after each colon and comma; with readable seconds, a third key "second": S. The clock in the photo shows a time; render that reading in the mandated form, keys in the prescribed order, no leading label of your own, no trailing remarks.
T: {"hour": 2, "minute": 58}
